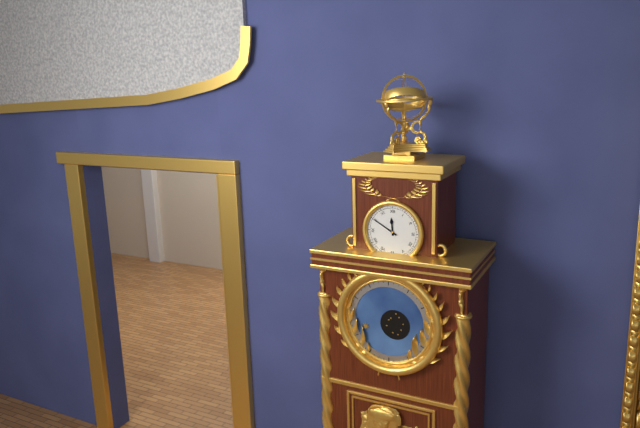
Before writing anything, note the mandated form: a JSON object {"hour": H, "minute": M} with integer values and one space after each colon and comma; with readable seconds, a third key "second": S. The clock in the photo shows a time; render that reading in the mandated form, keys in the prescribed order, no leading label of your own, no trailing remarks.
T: {"hour": 11, "minute": 50}
